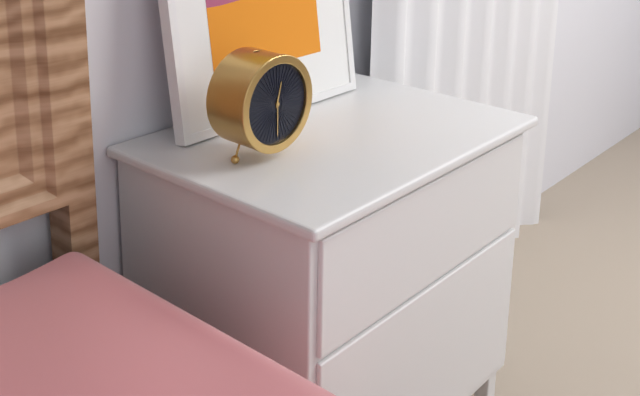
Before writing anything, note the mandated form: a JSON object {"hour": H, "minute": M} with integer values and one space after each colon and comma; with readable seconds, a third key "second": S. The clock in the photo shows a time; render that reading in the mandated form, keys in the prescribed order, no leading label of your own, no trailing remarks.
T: {"hour": 12, "minute": 30}
